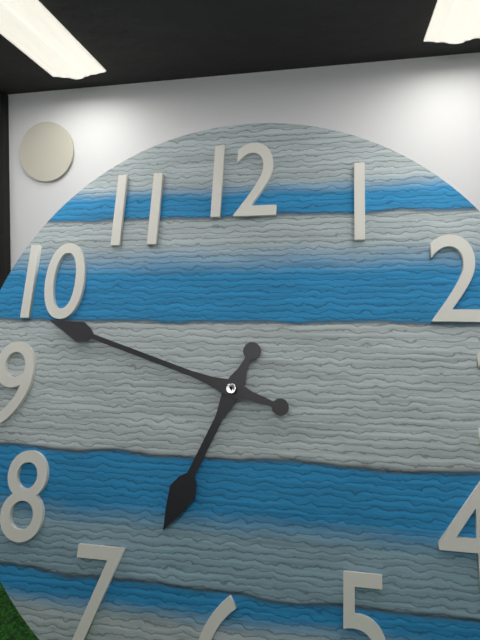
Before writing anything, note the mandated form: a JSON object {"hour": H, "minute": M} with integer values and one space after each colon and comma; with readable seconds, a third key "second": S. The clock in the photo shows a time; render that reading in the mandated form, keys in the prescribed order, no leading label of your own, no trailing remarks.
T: {"hour": 6, "minute": 48}
